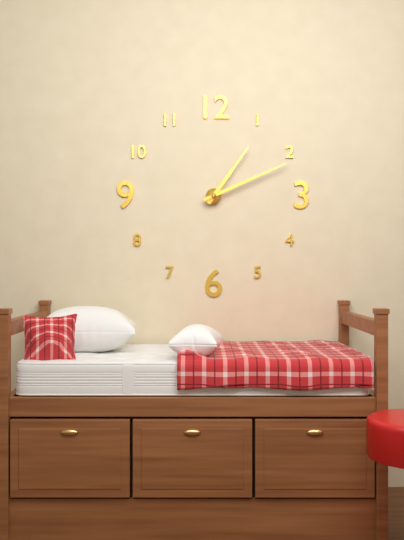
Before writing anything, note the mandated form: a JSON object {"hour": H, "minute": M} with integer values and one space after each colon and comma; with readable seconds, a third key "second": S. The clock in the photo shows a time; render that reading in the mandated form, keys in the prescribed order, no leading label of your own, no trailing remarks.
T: {"hour": 1, "minute": 11}
